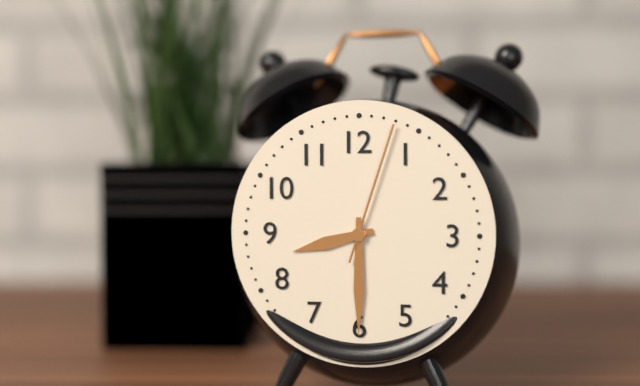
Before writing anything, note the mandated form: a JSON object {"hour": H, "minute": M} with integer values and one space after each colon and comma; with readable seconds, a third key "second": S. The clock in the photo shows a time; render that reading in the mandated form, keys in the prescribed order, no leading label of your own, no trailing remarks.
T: {"hour": 8, "minute": 30, "second": 3}
